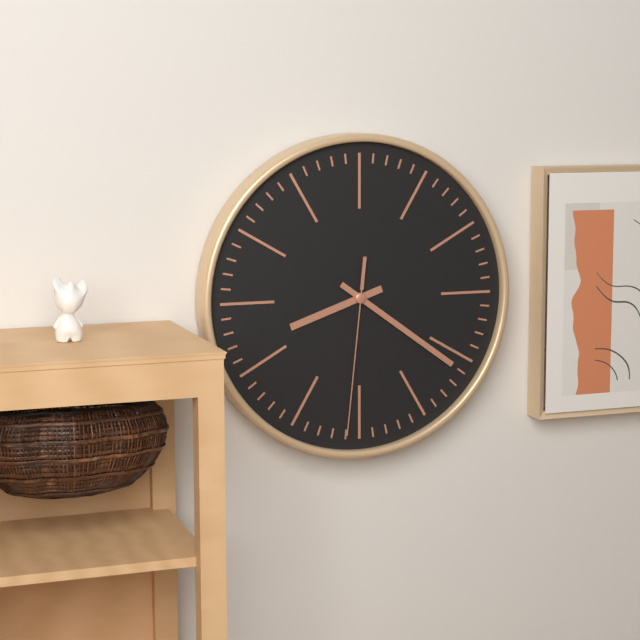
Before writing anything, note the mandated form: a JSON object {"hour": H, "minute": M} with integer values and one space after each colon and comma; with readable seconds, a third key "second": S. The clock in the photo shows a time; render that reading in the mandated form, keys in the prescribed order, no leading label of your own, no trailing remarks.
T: {"hour": 8, "minute": 21, "second": 31}
